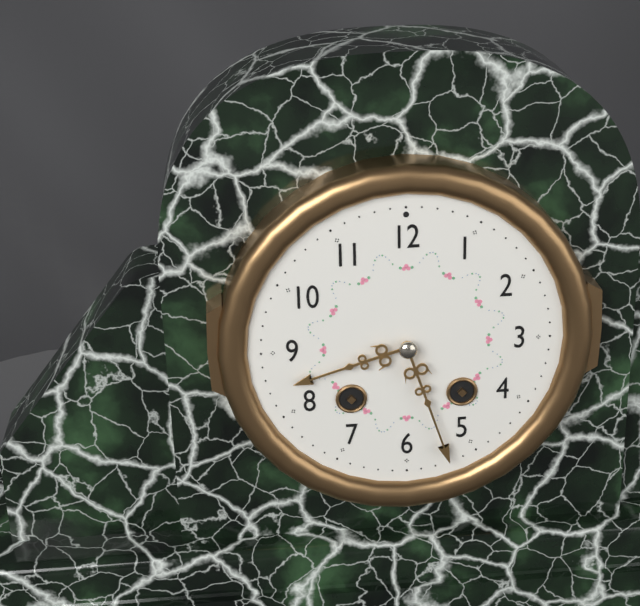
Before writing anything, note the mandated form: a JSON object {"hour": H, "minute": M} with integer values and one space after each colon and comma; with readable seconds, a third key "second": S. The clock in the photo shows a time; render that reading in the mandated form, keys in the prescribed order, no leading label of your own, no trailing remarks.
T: {"hour": 8, "minute": 27}
